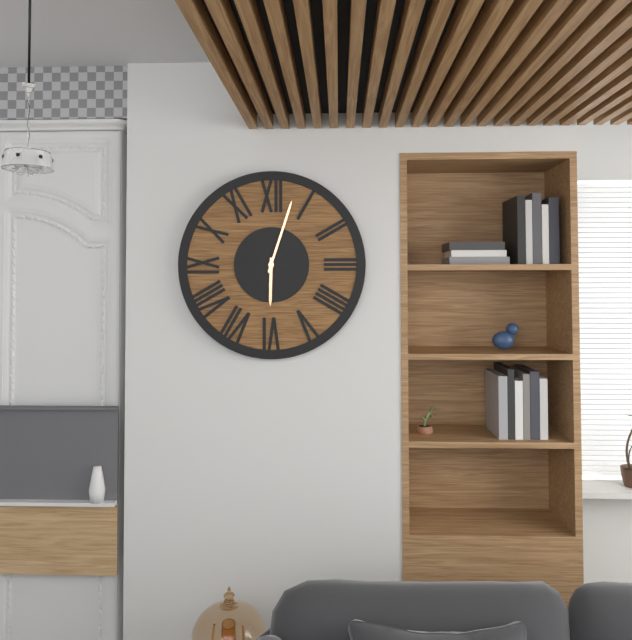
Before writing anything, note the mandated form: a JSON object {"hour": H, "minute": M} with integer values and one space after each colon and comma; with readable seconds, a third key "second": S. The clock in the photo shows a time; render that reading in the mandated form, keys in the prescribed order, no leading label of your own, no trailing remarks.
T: {"hour": 6, "minute": 3}
